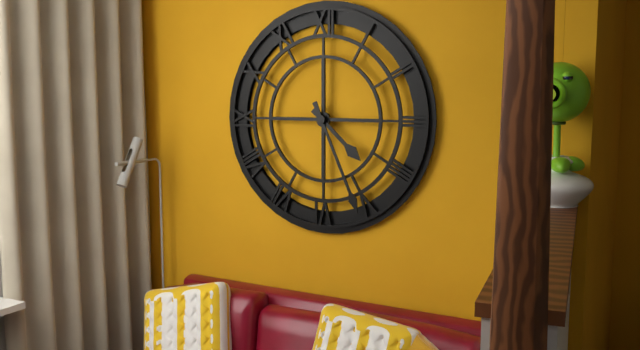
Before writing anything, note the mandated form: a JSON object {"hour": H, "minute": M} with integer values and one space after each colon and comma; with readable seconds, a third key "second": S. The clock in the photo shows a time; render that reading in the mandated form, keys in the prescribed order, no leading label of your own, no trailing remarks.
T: {"hour": 4, "minute": 26}
